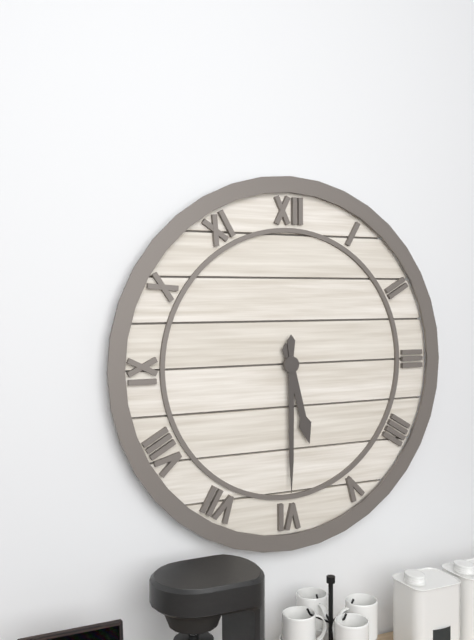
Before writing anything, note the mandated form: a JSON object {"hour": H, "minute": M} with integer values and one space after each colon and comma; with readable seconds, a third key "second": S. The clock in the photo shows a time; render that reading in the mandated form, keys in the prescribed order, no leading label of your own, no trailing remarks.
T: {"hour": 5, "minute": 30}
